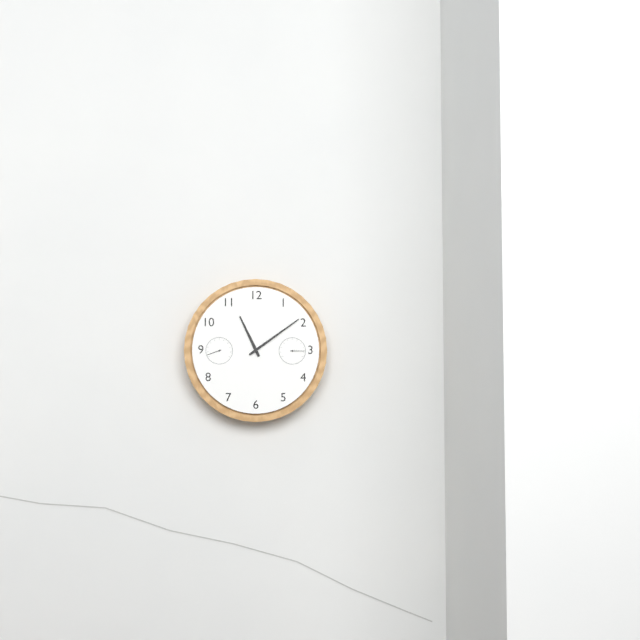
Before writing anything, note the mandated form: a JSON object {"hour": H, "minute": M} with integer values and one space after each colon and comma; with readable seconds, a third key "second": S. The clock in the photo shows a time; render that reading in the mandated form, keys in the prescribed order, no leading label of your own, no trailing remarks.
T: {"hour": 11, "minute": 9}
